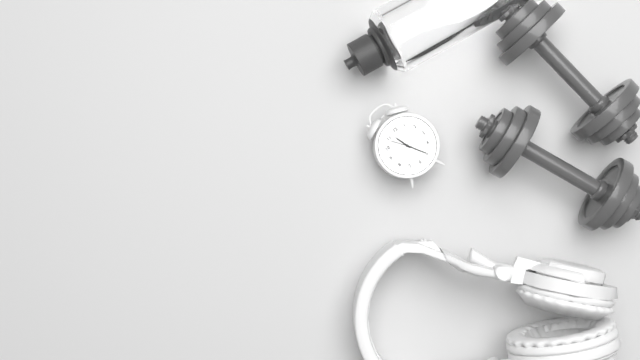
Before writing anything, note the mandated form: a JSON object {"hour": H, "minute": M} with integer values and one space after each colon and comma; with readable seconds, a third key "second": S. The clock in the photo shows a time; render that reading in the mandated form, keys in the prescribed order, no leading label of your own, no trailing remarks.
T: {"hour": 11, "minute": 25}
